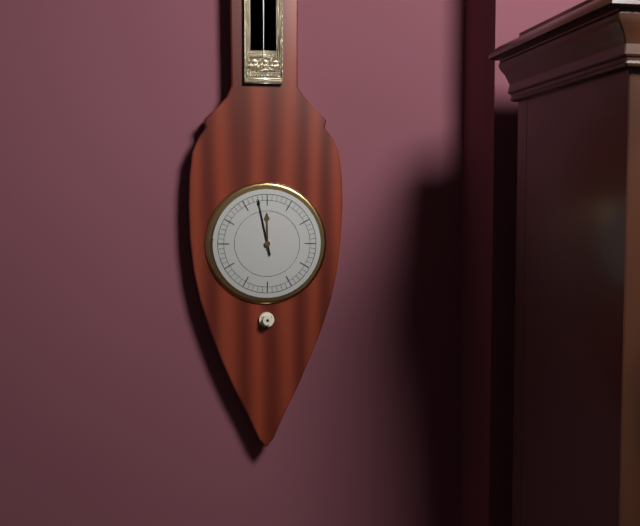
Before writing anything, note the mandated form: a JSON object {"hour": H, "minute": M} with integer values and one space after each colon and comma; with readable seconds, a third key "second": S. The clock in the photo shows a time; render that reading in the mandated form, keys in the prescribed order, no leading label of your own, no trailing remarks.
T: {"hour": 11, "minute": 58}
